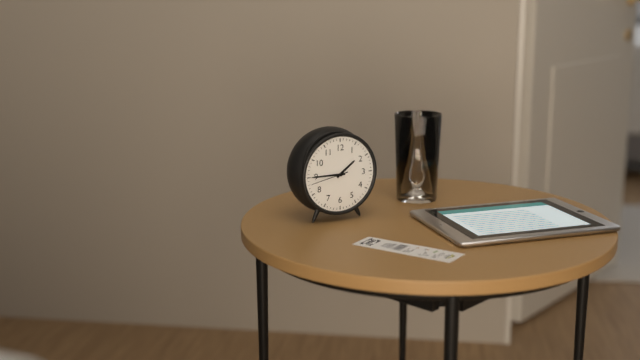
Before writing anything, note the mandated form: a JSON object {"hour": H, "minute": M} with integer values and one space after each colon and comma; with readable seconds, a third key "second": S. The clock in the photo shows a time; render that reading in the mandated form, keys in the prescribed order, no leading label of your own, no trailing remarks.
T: {"hour": 1, "minute": 45}
